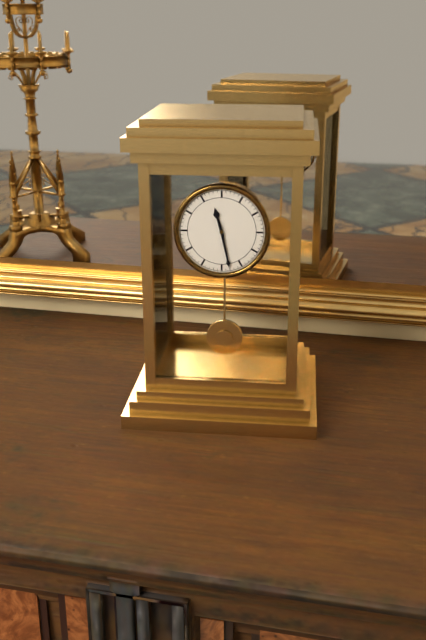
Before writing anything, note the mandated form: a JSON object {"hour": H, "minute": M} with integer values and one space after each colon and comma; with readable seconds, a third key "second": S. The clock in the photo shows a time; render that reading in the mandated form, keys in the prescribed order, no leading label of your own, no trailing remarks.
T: {"hour": 11, "minute": 28}
